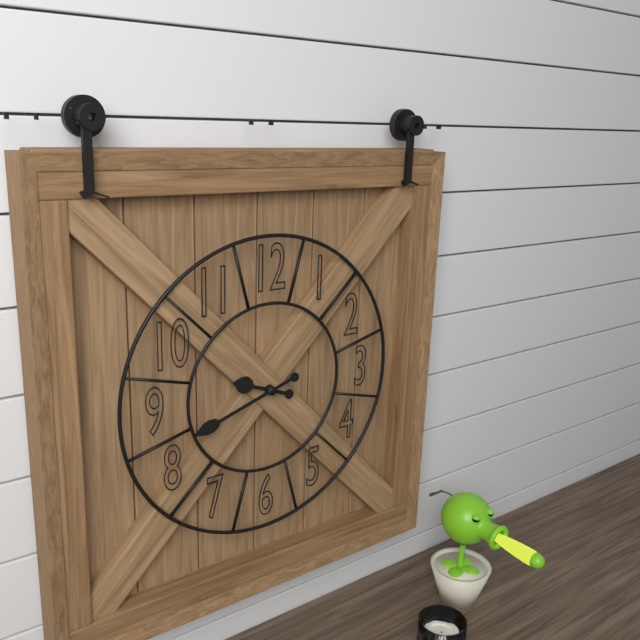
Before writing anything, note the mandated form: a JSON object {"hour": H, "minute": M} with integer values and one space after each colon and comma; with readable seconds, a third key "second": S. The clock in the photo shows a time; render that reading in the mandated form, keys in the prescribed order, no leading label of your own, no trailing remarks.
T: {"hour": 9, "minute": 42}
